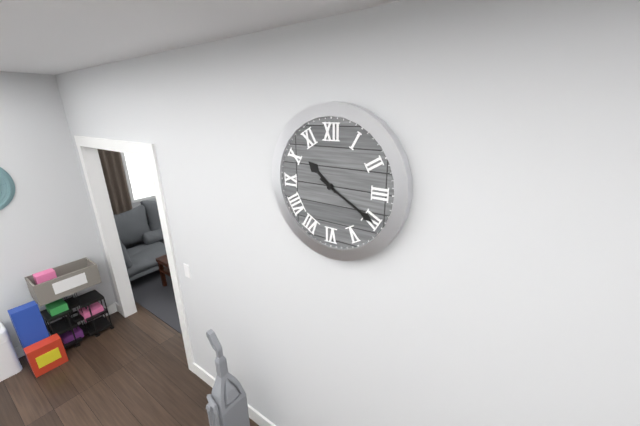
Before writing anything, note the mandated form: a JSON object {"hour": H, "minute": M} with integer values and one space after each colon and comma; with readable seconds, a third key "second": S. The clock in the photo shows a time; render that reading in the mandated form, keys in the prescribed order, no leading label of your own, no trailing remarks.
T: {"hour": 10, "minute": 20}
